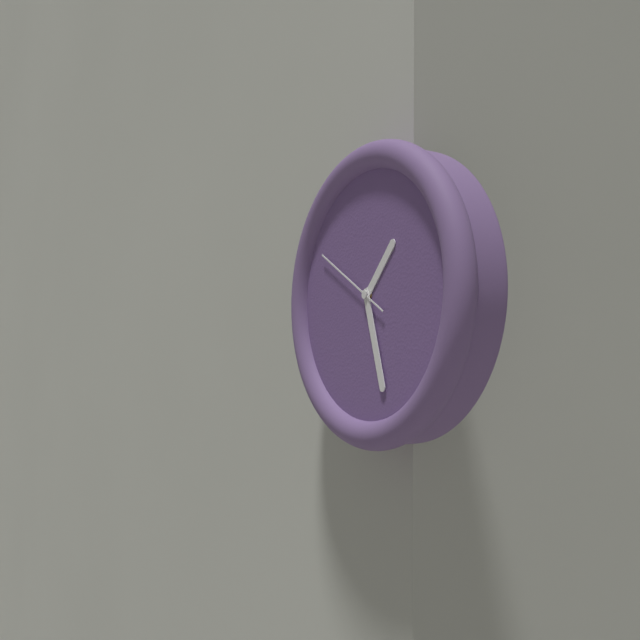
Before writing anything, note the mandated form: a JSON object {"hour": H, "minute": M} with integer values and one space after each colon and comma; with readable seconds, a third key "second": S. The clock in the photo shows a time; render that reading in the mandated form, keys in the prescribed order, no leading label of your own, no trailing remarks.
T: {"hour": 1, "minute": 27, "second": 50}
